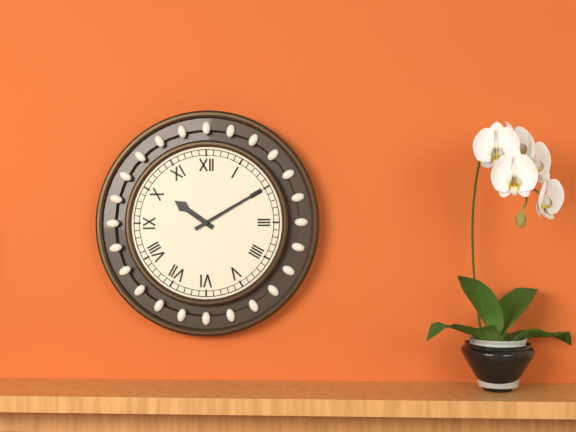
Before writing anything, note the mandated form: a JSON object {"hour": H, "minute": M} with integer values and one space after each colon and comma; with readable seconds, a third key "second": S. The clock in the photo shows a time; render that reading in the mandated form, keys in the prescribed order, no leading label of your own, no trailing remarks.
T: {"hour": 10, "minute": 10}
